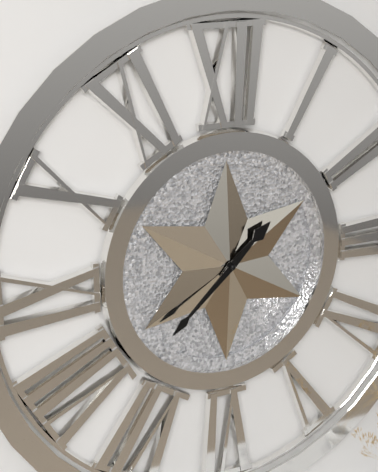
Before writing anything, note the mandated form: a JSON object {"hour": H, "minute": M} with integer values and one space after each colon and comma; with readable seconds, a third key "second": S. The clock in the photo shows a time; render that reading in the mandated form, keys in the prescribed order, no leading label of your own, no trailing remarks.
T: {"hour": 1, "minute": 38}
